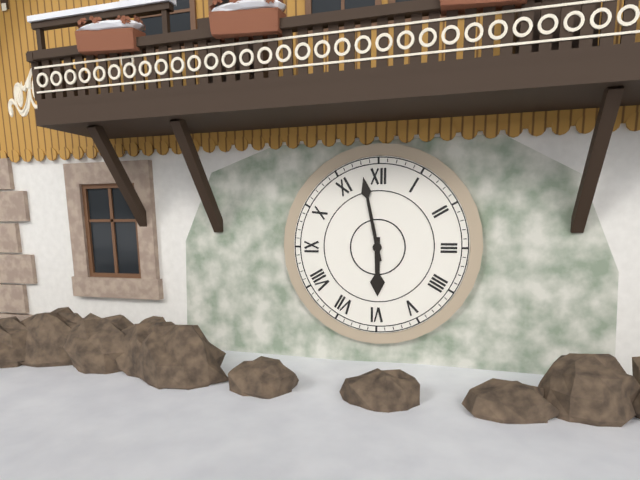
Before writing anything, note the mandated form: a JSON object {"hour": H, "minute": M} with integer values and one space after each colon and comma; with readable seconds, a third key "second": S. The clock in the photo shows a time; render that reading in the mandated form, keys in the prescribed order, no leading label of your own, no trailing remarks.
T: {"hour": 5, "minute": 58}
